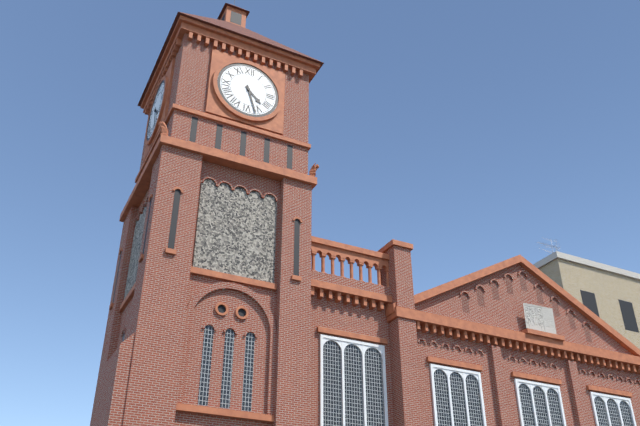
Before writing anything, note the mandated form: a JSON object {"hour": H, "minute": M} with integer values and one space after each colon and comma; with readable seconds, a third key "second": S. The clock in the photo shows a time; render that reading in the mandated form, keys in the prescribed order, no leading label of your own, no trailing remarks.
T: {"hour": 4, "minute": 27}
